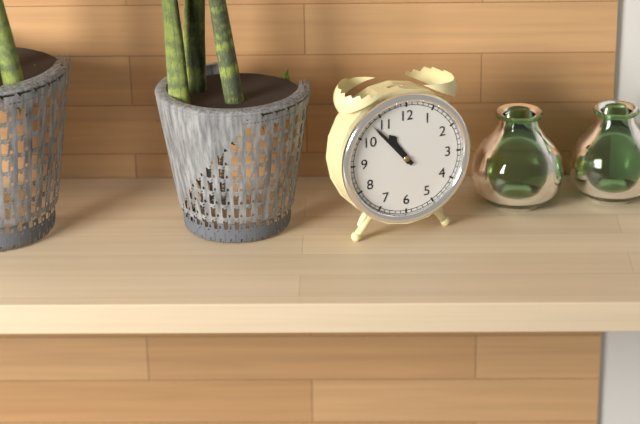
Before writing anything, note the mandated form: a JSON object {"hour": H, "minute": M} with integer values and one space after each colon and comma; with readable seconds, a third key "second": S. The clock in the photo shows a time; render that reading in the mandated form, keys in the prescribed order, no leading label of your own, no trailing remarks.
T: {"hour": 10, "minute": 53}
